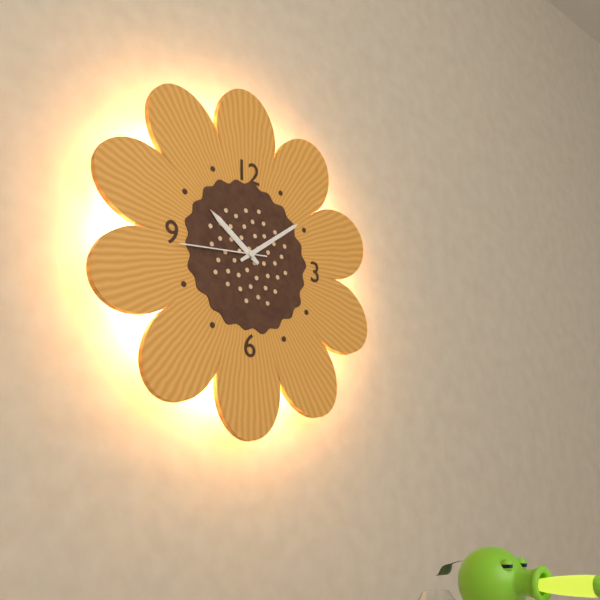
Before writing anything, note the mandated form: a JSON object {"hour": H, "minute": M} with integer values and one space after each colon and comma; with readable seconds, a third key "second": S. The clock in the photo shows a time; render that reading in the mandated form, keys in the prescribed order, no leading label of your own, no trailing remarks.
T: {"hour": 10, "minute": 9, "second": 44}
